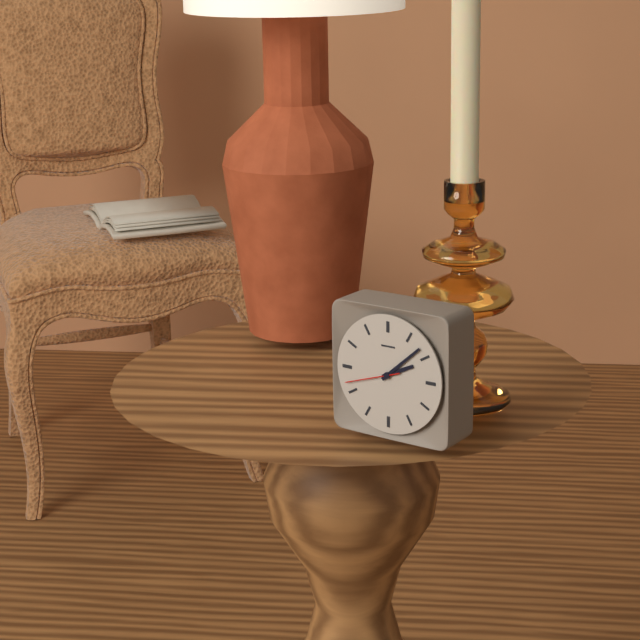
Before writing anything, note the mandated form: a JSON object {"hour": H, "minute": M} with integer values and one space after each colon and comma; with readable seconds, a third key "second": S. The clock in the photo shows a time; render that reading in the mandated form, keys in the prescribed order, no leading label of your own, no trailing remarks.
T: {"hour": 2, "minute": 8, "second": 42}
